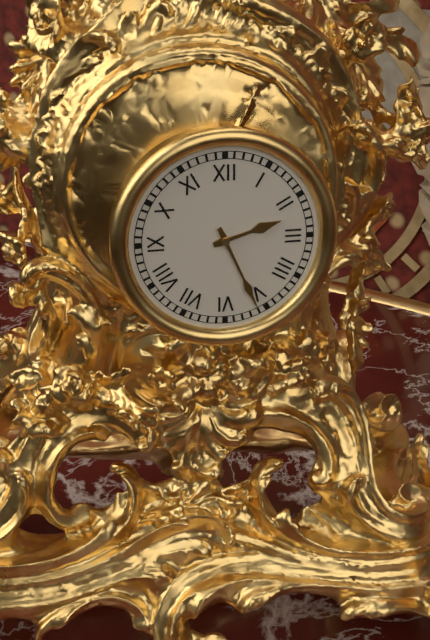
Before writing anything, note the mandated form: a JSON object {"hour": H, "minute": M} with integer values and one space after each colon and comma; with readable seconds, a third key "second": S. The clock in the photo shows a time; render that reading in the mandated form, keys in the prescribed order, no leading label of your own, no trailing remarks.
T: {"hour": 2, "minute": 26}
